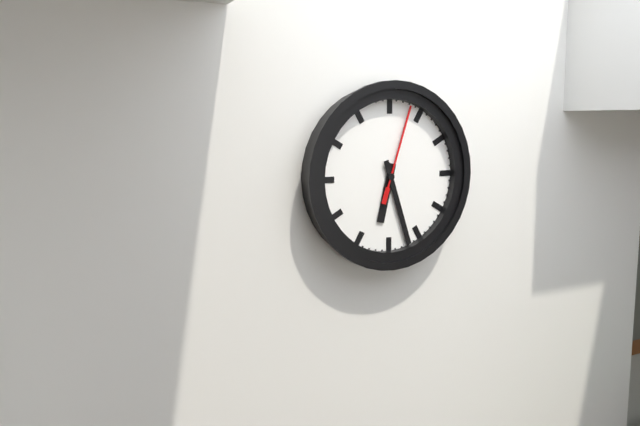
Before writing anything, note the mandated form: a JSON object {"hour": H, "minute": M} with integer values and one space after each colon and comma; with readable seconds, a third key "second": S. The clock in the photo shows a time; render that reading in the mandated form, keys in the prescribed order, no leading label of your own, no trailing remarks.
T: {"hour": 6, "minute": 27, "second": 3}
